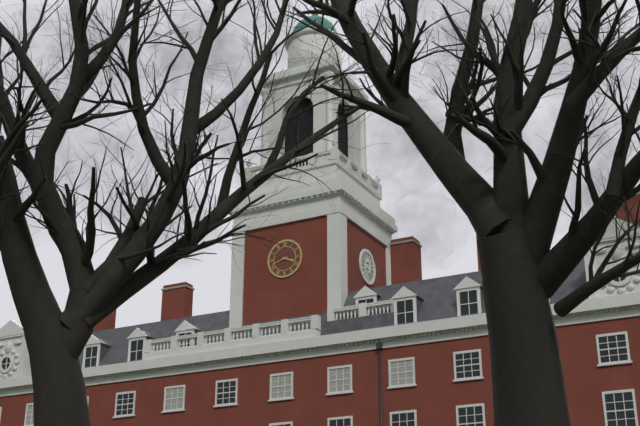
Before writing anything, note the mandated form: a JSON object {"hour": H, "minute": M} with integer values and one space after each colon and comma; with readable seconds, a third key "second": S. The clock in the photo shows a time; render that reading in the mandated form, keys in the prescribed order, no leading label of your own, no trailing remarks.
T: {"hour": 3, "minute": 42}
